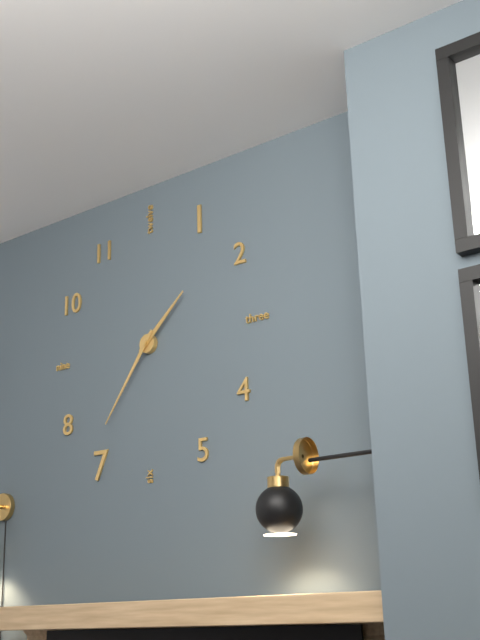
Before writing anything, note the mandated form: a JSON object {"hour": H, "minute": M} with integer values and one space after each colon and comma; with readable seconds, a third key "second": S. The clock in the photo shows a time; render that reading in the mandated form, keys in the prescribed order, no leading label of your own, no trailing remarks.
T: {"hour": 1, "minute": 36}
